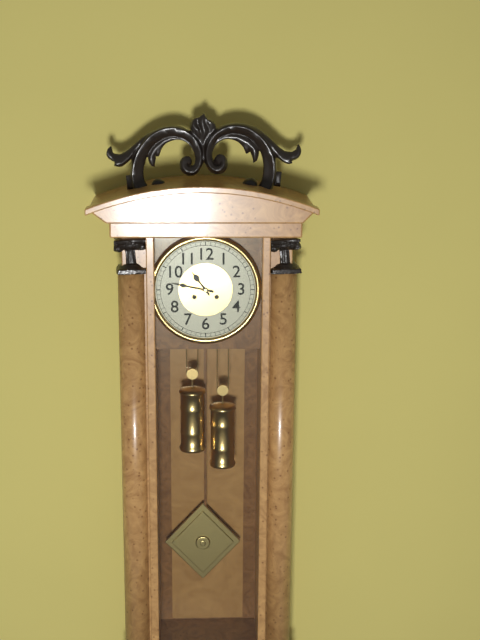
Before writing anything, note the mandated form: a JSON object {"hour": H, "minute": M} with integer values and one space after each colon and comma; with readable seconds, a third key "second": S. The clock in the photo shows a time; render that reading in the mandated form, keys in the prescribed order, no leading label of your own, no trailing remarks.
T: {"hour": 10, "minute": 47}
